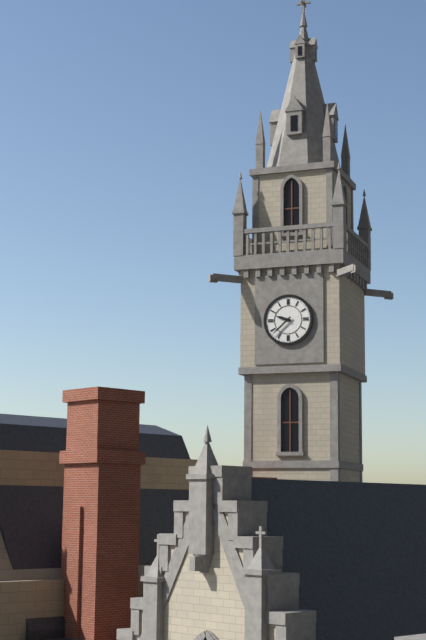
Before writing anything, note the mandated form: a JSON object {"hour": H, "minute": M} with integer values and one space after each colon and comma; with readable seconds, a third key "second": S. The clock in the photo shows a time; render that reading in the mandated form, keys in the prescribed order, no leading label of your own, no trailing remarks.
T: {"hour": 9, "minute": 38}
